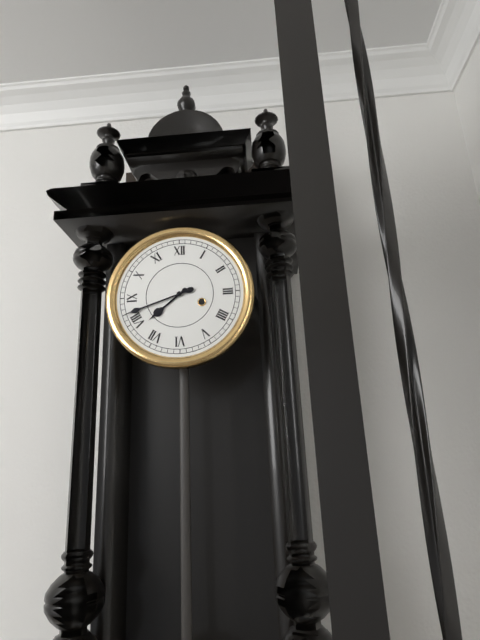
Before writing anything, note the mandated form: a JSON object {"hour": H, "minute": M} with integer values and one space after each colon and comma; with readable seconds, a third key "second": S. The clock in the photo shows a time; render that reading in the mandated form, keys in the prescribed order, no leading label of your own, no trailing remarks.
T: {"hour": 7, "minute": 42}
